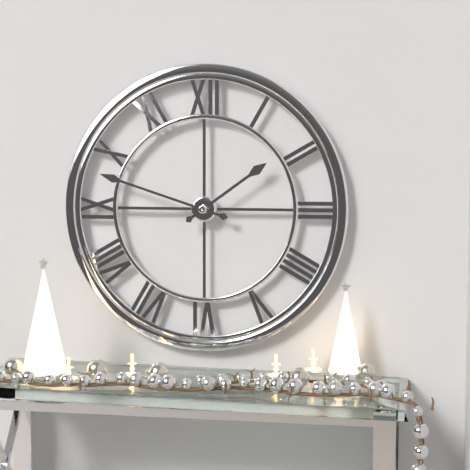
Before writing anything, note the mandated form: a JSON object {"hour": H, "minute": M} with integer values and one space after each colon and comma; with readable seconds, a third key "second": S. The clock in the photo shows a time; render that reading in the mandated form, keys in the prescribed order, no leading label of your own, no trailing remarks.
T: {"hour": 1, "minute": 48}
